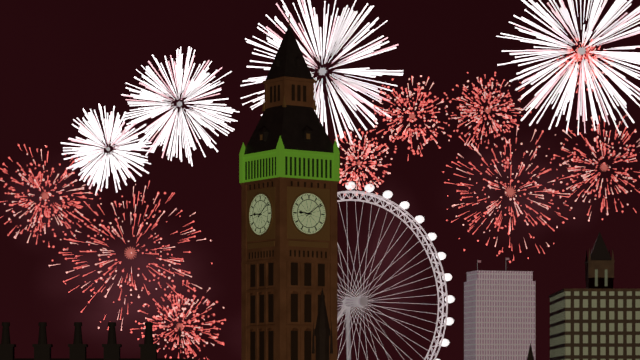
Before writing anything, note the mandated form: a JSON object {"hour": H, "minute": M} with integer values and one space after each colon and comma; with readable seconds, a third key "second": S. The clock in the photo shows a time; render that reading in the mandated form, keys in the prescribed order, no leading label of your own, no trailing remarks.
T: {"hour": 9, "minute": 9}
